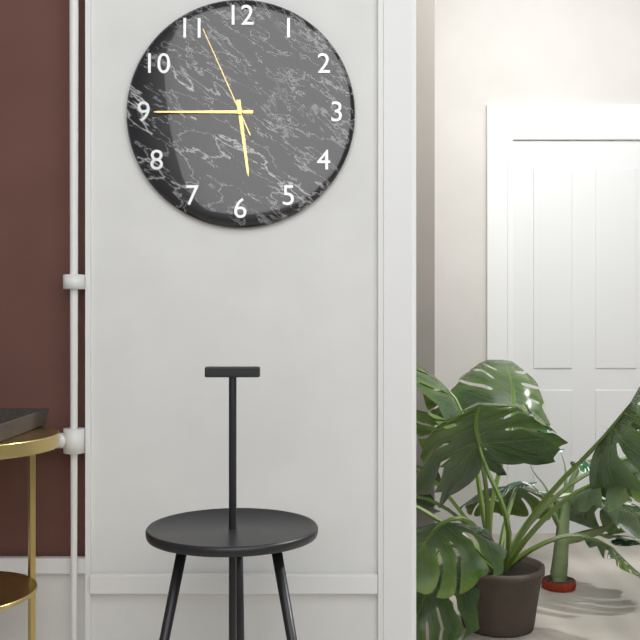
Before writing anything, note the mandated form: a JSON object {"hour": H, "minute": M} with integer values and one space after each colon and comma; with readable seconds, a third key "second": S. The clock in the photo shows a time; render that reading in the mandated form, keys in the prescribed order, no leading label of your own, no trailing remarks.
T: {"hour": 5, "minute": 45, "second": 56}
